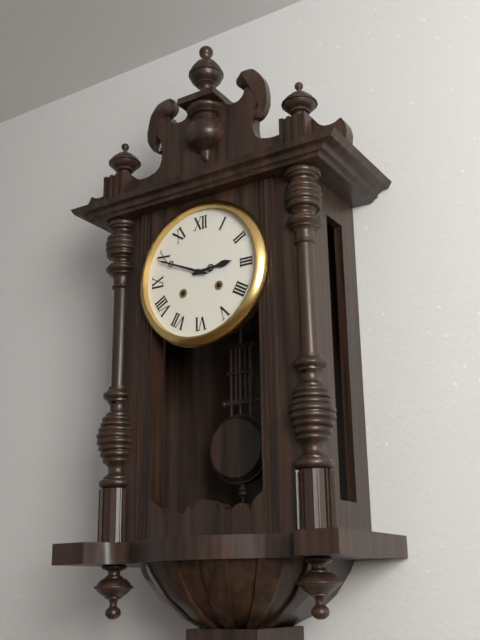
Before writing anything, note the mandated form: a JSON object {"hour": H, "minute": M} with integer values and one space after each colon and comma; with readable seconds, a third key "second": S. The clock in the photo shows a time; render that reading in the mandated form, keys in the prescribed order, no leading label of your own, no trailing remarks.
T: {"hour": 2, "minute": 49}
